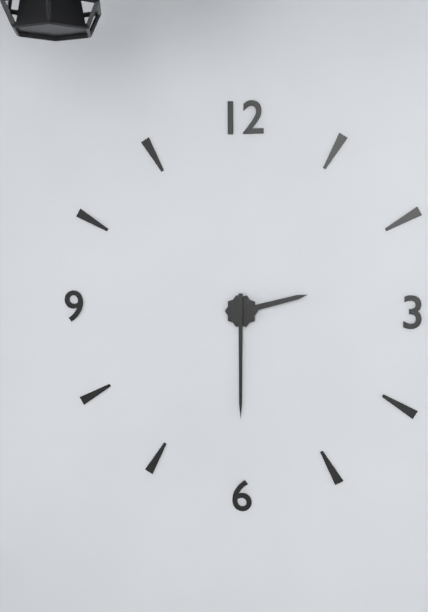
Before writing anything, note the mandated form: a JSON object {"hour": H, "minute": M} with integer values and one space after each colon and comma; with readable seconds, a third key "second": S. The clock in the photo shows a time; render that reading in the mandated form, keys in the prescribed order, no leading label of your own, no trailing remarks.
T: {"hour": 2, "minute": 30}
